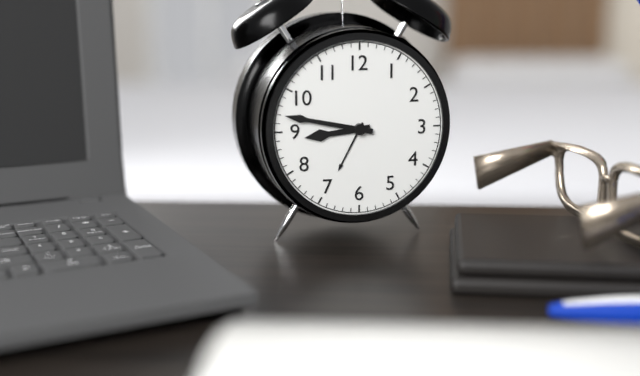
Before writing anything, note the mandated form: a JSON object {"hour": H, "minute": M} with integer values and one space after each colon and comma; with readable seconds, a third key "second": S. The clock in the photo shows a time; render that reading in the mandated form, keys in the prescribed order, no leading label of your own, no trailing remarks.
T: {"hour": 8, "minute": 47}
